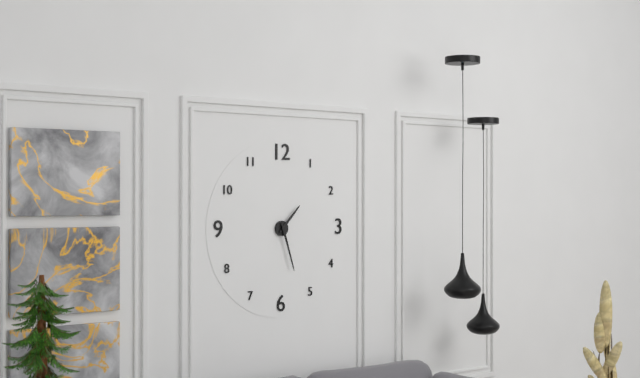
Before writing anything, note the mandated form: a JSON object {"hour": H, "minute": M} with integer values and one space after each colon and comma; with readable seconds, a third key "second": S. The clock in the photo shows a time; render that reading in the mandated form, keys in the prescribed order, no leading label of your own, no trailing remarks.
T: {"hour": 1, "minute": 27}
